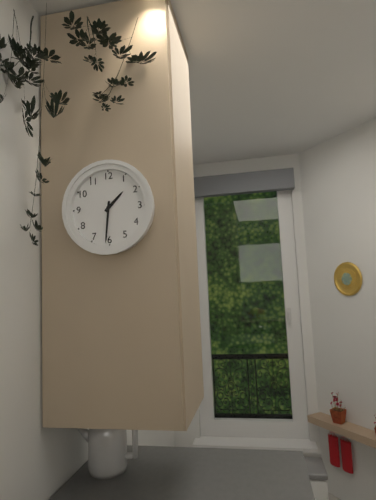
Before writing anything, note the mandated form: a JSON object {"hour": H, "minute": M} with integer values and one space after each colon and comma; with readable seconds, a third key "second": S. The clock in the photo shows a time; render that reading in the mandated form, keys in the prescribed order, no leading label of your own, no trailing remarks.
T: {"hour": 1, "minute": 31}
